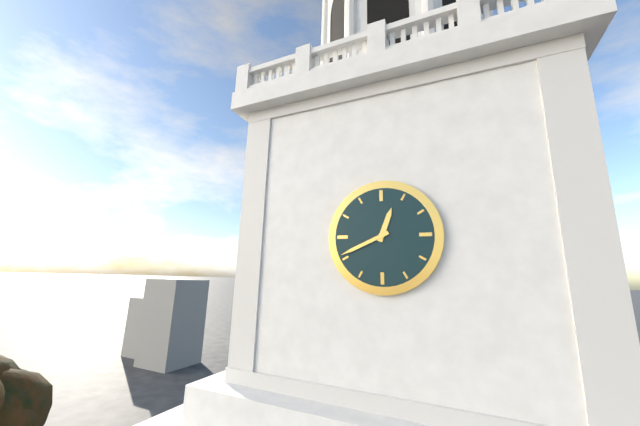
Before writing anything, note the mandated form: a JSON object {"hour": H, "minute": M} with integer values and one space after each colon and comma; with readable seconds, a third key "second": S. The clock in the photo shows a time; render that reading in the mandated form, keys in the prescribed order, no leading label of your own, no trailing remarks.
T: {"hour": 12, "minute": 41}
